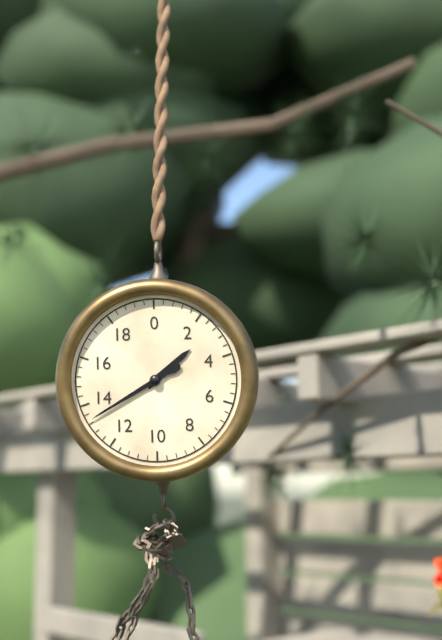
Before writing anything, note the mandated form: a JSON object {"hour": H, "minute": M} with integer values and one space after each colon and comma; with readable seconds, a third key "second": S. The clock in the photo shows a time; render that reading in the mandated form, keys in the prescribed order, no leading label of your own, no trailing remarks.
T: {"hour": 1, "minute": 40}
